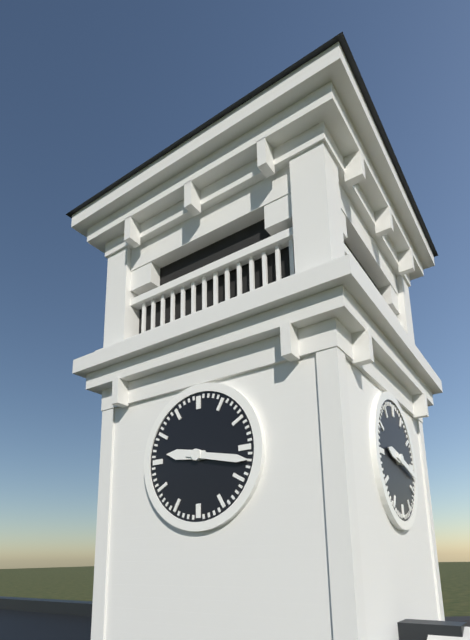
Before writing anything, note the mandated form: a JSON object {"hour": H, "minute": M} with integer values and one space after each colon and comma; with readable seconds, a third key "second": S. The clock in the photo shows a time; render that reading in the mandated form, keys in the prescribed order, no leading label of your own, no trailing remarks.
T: {"hour": 9, "minute": 17}
